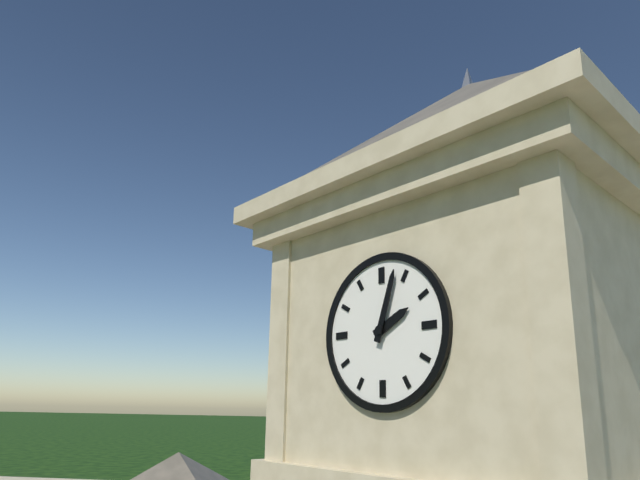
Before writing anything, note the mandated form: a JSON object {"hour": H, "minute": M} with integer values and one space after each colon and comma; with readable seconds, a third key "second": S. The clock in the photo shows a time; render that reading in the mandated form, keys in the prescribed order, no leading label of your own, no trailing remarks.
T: {"hour": 2, "minute": 3}
